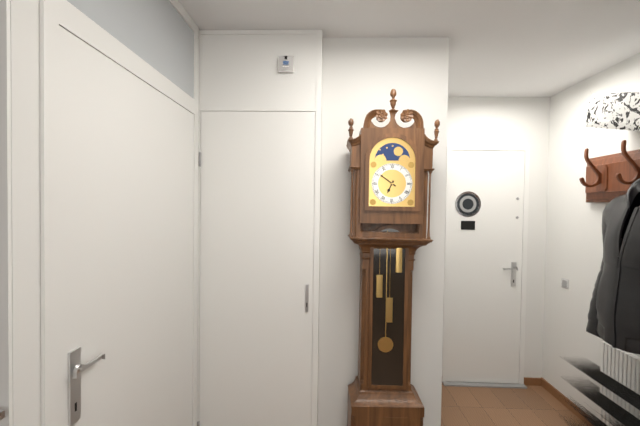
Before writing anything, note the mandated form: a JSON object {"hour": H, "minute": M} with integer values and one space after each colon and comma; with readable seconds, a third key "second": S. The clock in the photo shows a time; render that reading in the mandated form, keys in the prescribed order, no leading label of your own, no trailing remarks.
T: {"hour": 6, "minute": 51}
